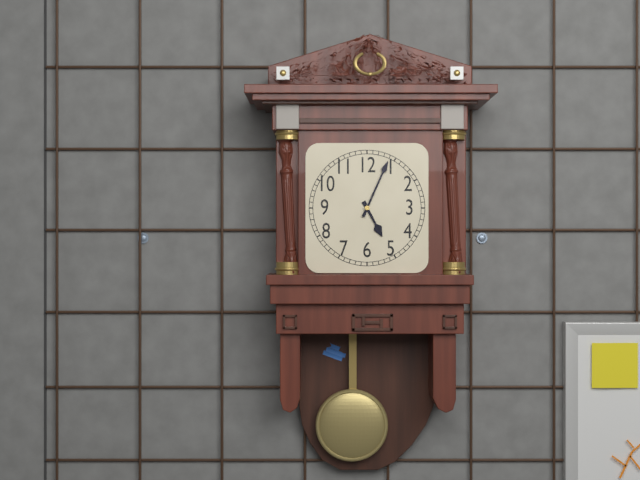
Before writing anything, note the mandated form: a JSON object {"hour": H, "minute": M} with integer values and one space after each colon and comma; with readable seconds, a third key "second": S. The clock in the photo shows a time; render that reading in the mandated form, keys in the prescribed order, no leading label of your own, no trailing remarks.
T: {"hour": 5, "minute": 4}
